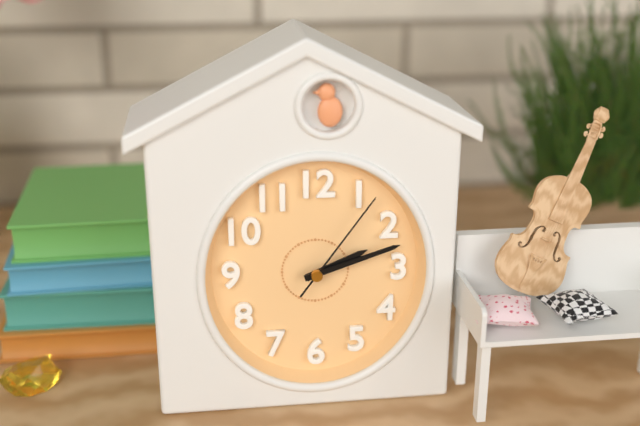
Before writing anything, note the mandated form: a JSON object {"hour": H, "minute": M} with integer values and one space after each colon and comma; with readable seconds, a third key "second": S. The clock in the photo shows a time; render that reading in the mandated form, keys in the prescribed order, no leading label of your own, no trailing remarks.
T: {"hour": 2, "minute": 12, "second": 6}
